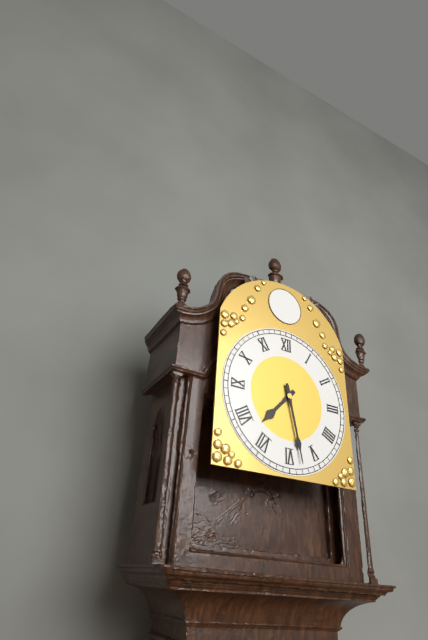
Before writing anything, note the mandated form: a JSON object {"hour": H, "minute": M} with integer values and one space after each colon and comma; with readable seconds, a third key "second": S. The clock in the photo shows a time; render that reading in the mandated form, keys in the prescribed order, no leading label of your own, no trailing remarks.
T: {"hour": 7, "minute": 28}
